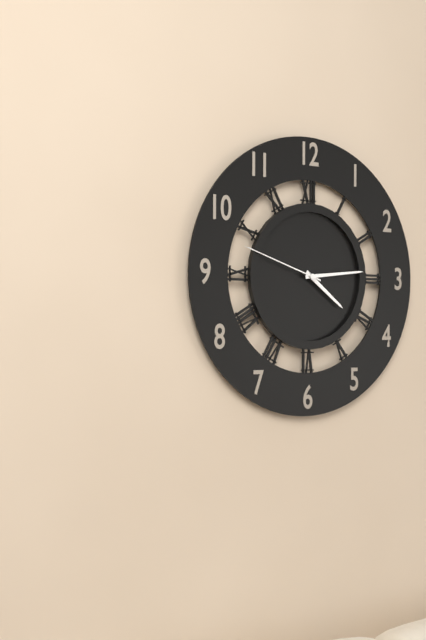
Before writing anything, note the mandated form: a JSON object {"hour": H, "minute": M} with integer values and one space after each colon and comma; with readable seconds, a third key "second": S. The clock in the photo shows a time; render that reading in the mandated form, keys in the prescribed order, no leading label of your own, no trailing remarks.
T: {"hour": 4, "minute": 14, "second": 48}
